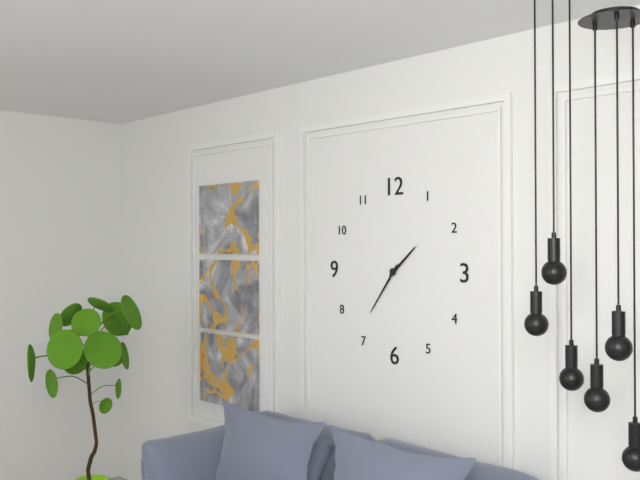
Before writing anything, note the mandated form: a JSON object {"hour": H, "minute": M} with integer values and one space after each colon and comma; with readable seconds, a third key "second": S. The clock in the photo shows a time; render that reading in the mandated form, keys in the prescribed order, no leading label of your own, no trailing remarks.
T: {"hour": 1, "minute": 36}
